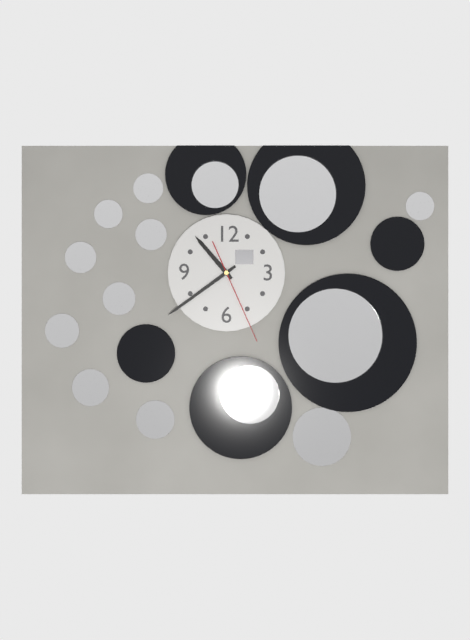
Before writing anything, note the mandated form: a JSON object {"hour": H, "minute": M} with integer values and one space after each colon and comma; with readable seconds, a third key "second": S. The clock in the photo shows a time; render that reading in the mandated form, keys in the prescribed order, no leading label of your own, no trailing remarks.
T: {"hour": 10, "minute": 39, "second": 26}
